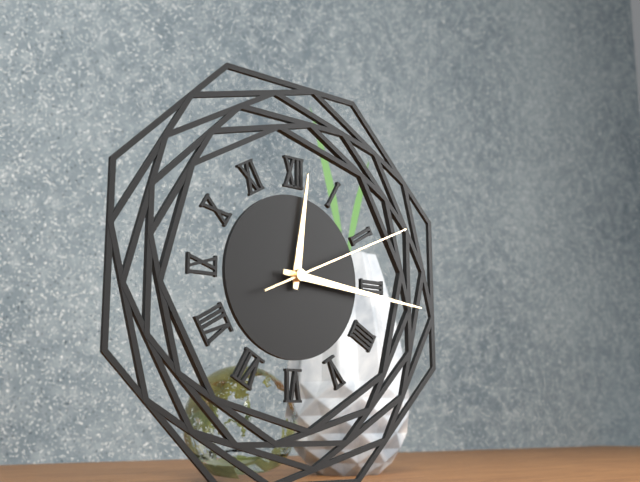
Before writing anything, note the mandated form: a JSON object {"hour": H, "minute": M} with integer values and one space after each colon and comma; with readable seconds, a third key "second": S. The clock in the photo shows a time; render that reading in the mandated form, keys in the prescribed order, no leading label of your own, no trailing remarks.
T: {"hour": 12, "minute": 16, "second": 11}
